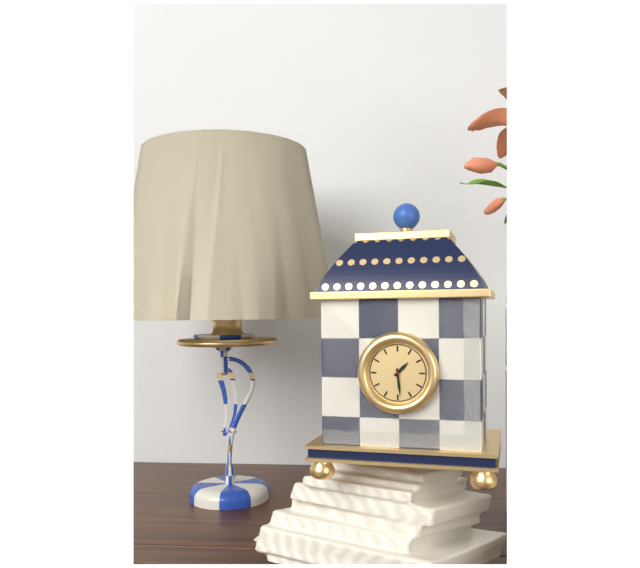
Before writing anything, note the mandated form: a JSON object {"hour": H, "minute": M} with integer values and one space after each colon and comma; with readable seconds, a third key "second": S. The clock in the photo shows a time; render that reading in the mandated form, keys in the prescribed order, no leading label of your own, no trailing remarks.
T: {"hour": 1, "minute": 29}
